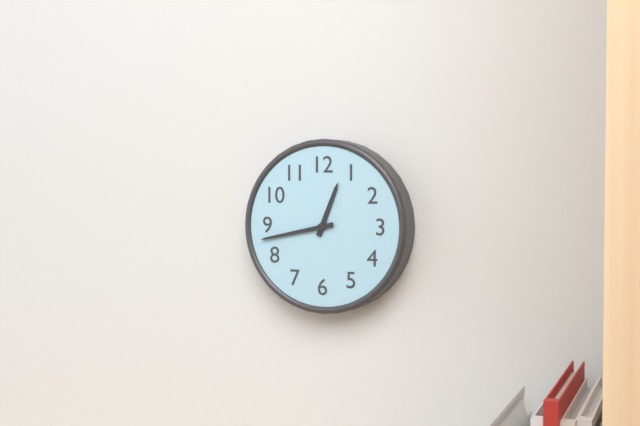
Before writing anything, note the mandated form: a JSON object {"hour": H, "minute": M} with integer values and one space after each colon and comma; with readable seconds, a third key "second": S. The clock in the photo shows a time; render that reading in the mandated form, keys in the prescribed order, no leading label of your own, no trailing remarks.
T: {"hour": 12, "minute": 43}
